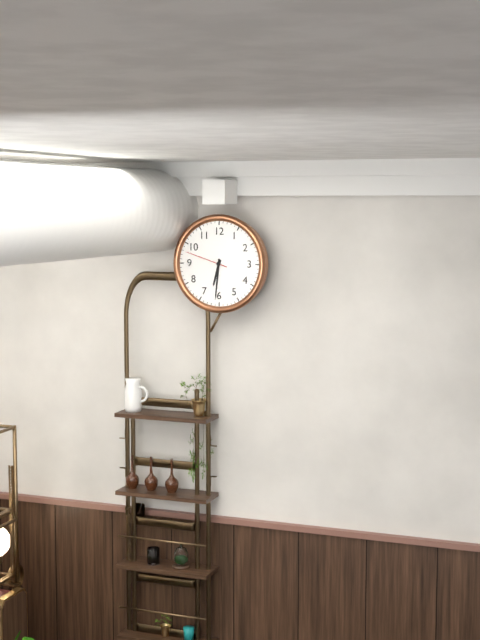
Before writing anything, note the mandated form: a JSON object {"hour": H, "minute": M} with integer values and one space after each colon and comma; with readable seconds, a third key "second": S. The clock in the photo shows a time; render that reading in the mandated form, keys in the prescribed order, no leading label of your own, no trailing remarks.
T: {"hour": 6, "minute": 31}
